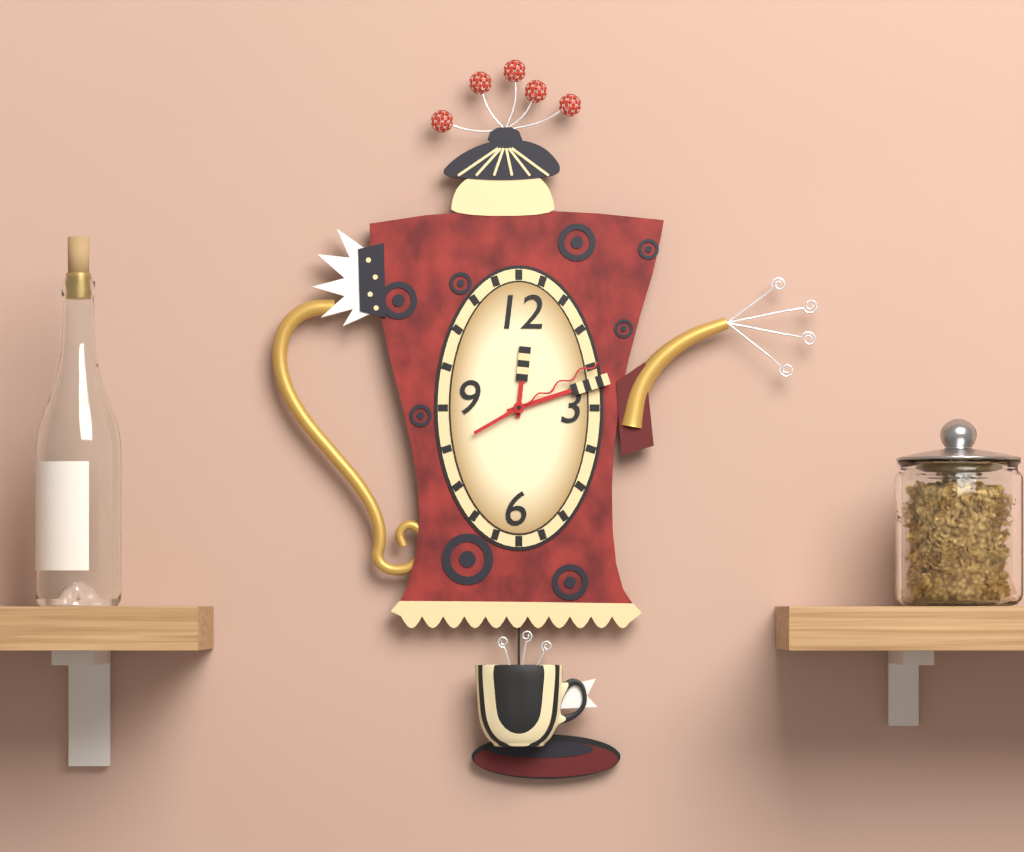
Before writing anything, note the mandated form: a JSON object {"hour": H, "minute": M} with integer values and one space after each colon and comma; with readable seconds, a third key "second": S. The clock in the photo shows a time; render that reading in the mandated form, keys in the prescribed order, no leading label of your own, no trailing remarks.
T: {"hour": 12, "minute": 12, "second": 10}
